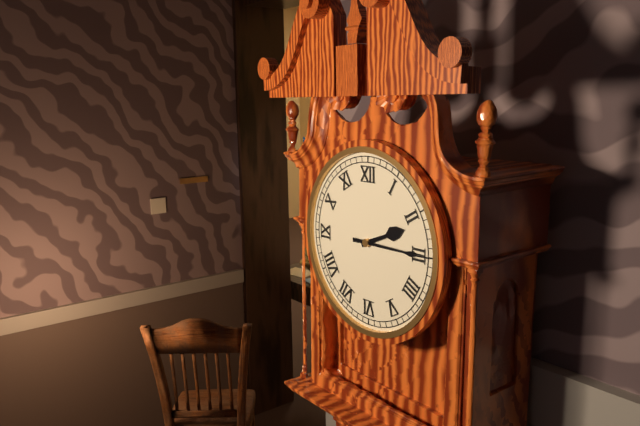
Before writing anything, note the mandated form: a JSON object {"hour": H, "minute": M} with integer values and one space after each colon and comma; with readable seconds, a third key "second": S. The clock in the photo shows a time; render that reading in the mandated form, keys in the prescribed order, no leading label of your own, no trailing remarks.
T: {"hour": 2, "minute": 15}
